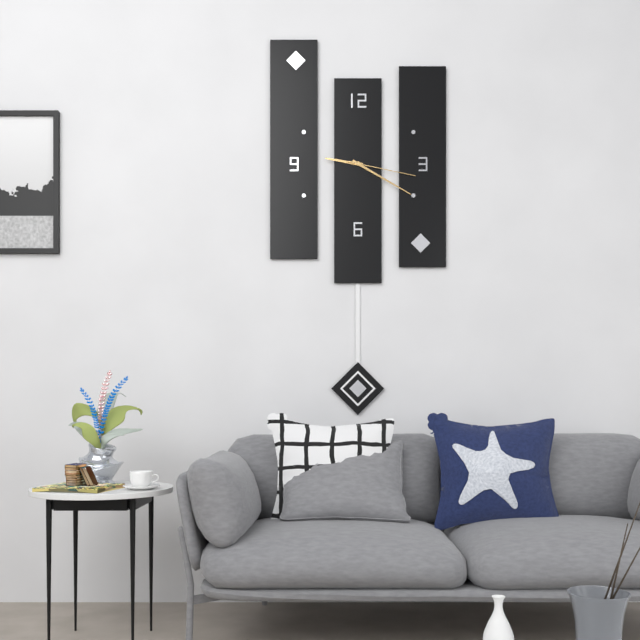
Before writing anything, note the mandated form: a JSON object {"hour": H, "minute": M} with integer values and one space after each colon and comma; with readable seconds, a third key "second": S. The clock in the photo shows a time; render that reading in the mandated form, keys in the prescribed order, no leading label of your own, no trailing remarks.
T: {"hour": 9, "minute": 20, "second": 17}
